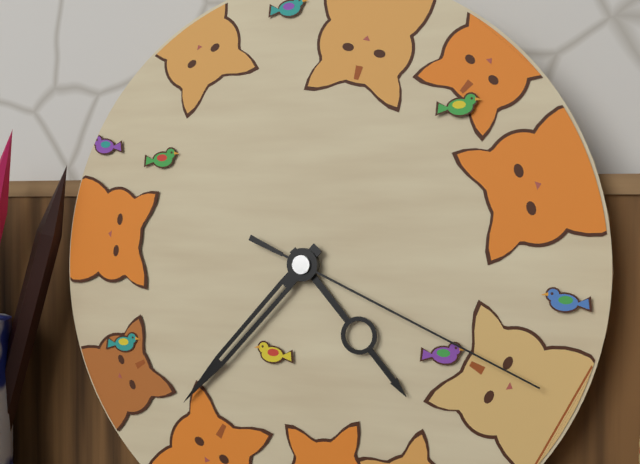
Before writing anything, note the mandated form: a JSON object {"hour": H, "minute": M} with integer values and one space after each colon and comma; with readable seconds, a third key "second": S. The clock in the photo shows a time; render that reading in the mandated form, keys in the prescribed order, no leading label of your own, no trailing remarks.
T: {"hour": 4, "minute": 37, "second": 19}
